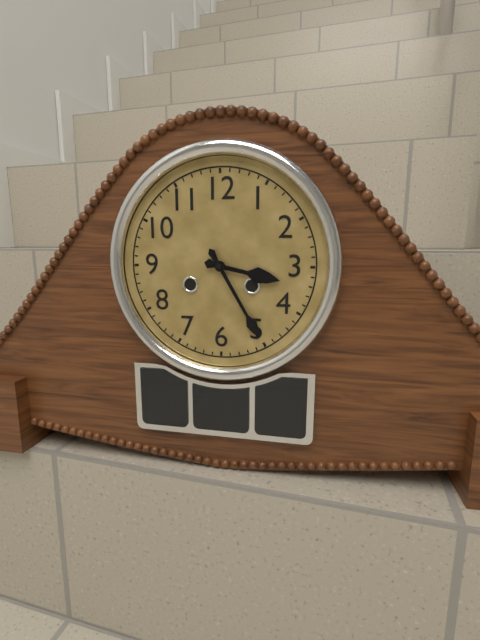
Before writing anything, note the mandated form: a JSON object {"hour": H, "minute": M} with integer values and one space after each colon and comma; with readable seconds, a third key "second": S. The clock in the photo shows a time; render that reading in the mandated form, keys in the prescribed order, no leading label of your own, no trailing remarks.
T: {"hour": 3, "minute": 25}
